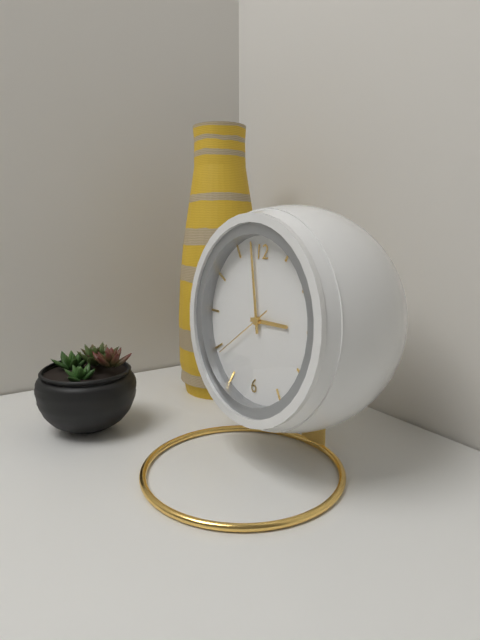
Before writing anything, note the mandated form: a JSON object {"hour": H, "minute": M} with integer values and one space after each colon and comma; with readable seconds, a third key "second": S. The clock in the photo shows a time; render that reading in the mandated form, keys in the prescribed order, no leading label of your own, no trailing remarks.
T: {"hour": 2, "minute": 58, "second": 39}
